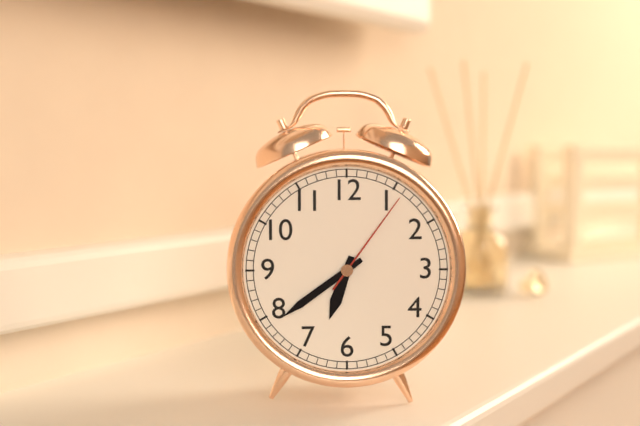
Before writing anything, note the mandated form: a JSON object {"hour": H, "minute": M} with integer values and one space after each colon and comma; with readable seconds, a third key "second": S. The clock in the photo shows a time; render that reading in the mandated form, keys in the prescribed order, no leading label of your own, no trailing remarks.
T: {"hour": 6, "minute": 39, "second": 6}
